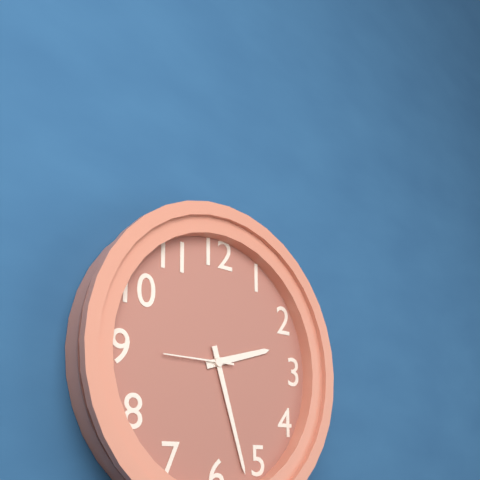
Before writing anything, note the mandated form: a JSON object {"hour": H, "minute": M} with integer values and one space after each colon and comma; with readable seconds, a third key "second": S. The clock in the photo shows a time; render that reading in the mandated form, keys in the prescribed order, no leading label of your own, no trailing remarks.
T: {"hour": 2, "minute": 27, "second": 45}
